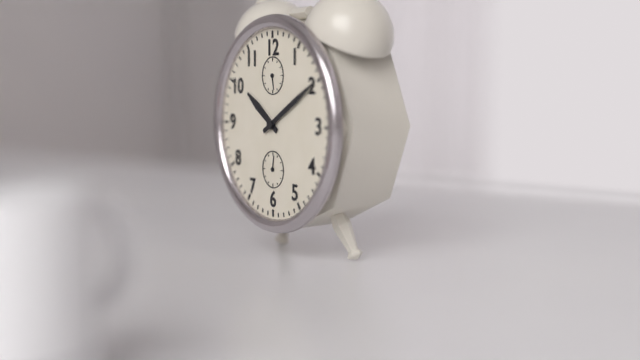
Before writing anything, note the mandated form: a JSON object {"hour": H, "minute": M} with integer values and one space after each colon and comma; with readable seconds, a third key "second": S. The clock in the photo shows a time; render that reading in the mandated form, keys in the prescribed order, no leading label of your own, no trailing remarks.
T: {"hour": 10, "minute": 10}
